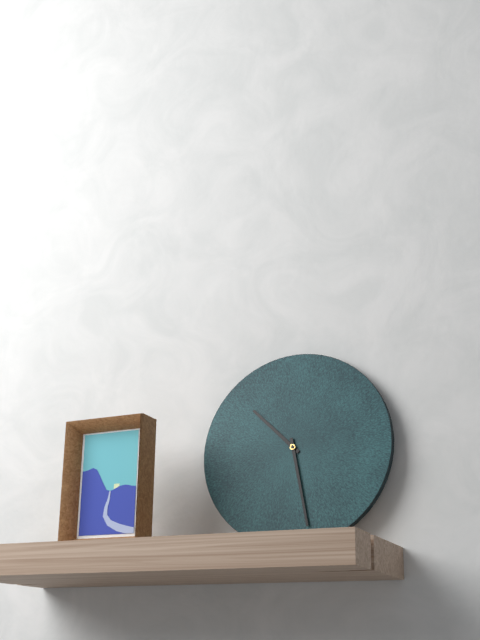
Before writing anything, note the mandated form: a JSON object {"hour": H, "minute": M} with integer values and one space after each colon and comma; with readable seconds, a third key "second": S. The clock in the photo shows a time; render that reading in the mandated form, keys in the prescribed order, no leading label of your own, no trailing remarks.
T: {"hour": 10, "minute": 28}
